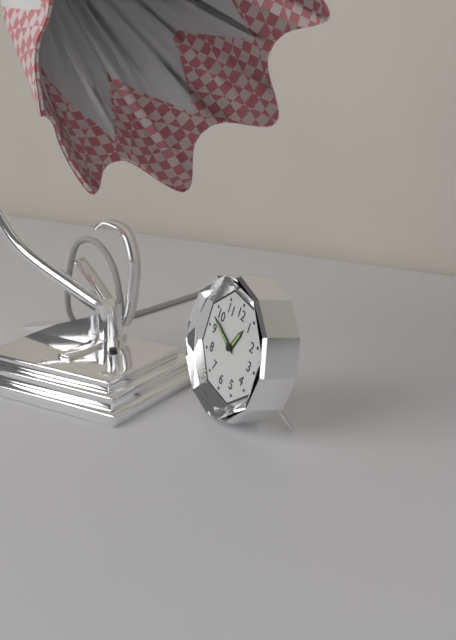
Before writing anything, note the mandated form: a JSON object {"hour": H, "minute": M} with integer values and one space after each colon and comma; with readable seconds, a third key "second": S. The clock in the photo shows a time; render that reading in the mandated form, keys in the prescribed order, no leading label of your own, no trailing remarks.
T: {"hour": 12, "minute": 48}
